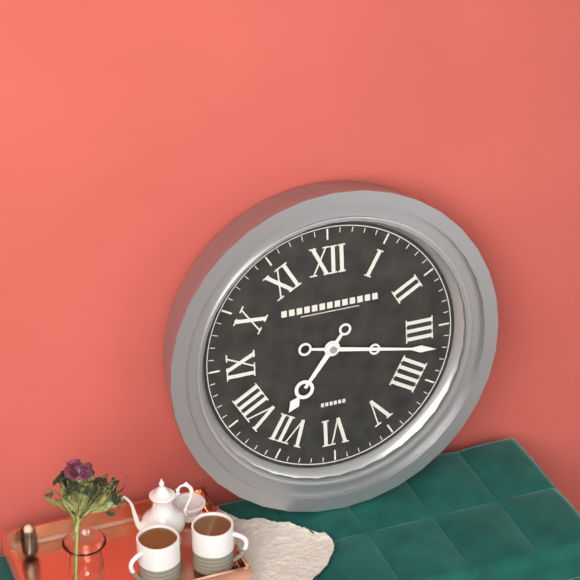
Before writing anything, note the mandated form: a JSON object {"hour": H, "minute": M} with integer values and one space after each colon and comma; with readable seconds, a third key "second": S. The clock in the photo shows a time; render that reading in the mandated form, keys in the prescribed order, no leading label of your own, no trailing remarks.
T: {"hour": 7, "minute": 17}
